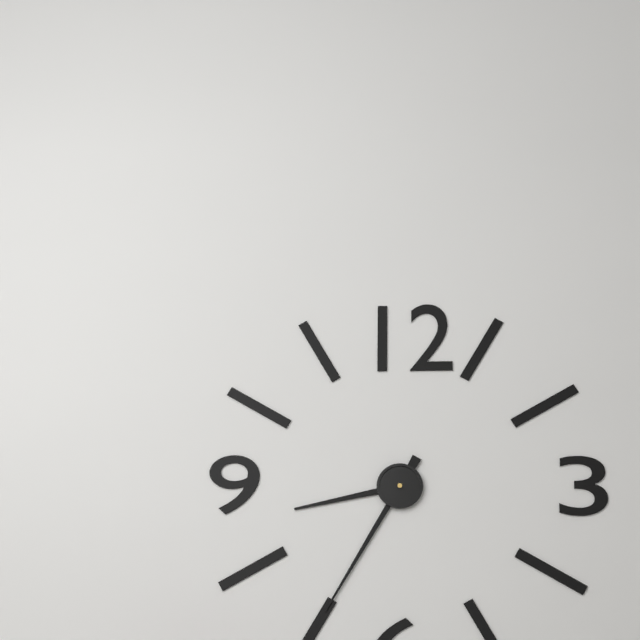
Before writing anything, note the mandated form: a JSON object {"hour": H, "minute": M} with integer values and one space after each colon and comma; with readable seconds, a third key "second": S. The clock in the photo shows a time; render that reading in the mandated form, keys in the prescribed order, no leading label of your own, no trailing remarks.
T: {"hour": 8, "minute": 35}
